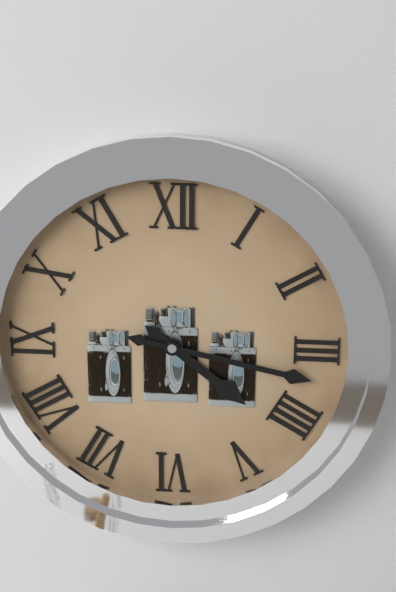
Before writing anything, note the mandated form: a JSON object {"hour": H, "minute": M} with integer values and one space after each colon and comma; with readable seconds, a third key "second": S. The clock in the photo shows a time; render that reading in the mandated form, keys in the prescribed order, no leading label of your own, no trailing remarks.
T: {"hour": 4, "minute": 17}
